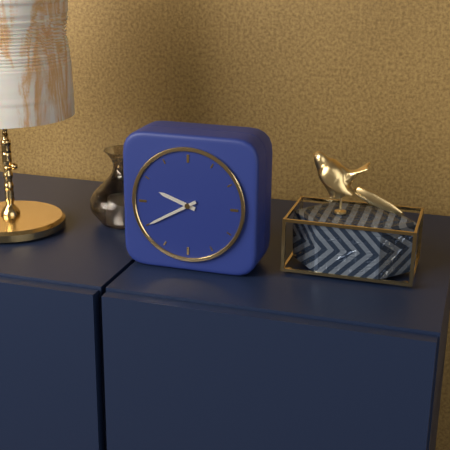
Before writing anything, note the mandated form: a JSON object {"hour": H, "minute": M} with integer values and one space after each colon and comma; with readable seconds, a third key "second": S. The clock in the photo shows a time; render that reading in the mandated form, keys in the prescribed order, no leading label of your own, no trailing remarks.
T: {"hour": 9, "minute": 40}
